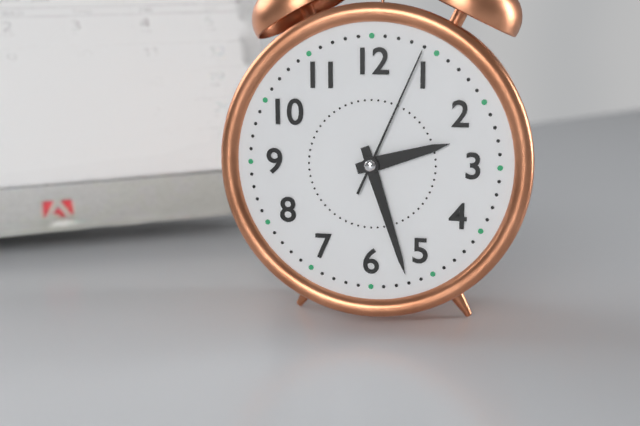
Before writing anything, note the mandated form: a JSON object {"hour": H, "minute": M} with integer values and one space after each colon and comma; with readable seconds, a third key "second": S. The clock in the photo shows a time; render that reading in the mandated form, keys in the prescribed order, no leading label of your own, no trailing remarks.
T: {"hour": 2, "minute": 27, "second": 4}
